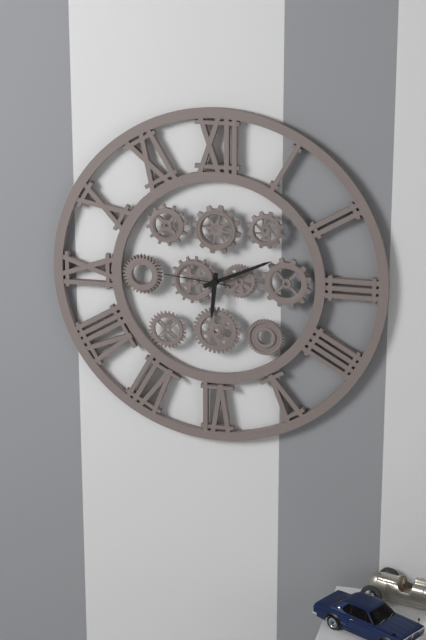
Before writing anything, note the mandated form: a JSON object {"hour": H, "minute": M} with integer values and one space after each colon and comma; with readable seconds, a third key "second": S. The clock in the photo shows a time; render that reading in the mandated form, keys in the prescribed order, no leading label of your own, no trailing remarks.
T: {"hour": 6, "minute": 11, "second": 46}
